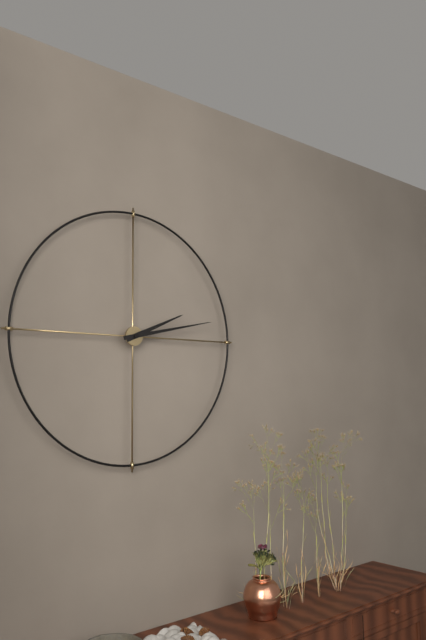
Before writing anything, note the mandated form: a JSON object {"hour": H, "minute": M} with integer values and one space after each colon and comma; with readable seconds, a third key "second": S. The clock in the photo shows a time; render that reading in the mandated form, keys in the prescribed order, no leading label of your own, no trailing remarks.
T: {"hour": 2, "minute": 13}
